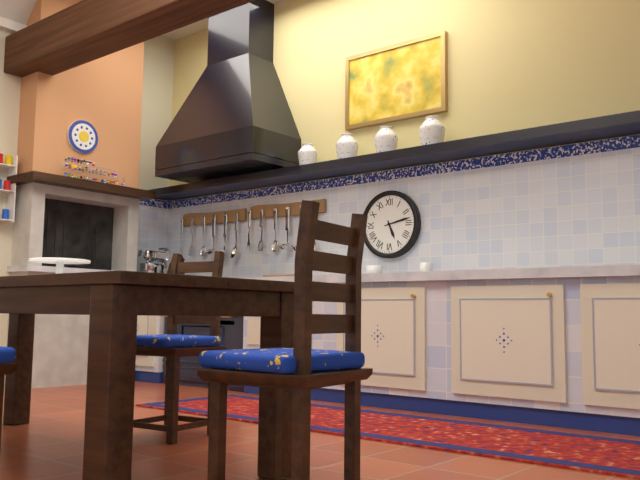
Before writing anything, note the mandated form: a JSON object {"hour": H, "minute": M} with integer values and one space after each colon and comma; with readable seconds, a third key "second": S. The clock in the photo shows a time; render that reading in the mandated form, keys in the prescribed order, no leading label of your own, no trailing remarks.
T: {"hour": 5, "minute": 13}
